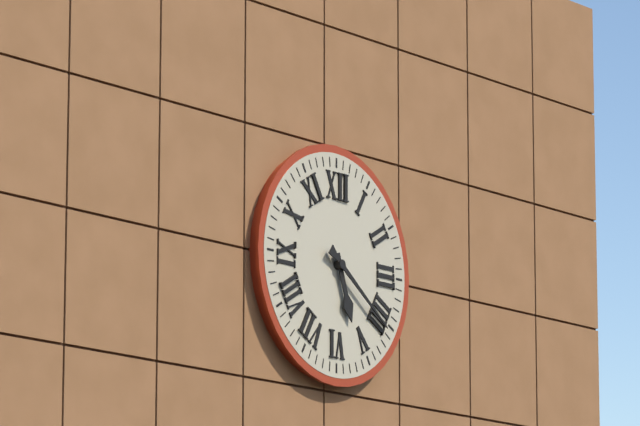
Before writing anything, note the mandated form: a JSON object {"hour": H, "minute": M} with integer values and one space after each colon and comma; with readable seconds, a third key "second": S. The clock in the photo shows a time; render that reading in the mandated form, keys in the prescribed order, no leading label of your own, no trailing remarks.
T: {"hour": 5, "minute": 21}
